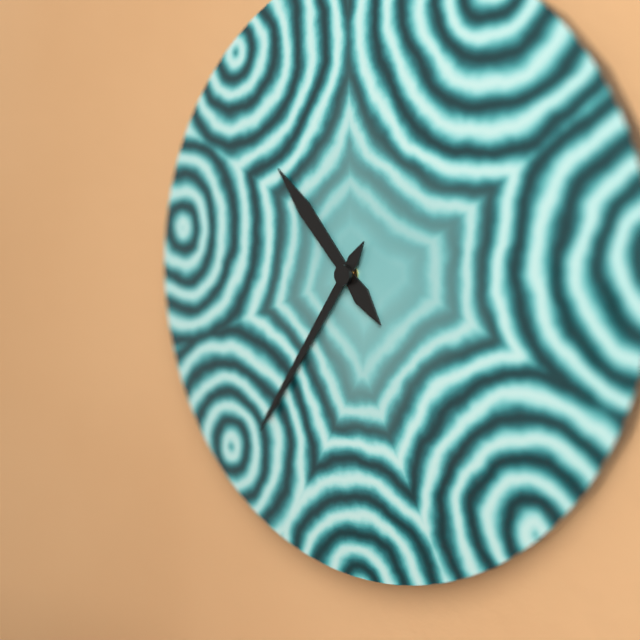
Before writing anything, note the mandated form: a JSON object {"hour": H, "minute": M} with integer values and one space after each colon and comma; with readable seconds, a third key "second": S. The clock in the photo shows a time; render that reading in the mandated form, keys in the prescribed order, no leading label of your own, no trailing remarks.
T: {"hour": 10, "minute": 36}
